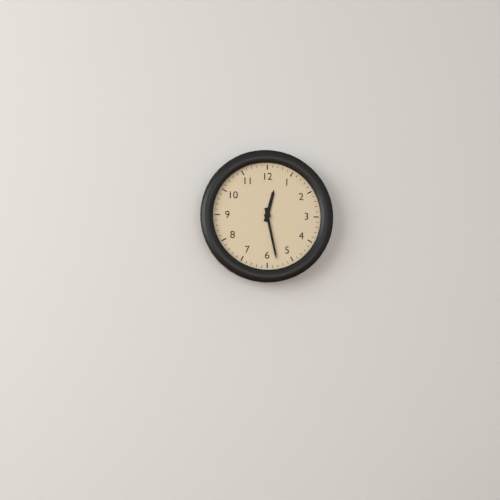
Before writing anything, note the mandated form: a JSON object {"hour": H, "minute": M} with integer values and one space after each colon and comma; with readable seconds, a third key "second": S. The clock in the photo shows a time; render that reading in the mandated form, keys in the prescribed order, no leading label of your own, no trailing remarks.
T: {"hour": 12, "minute": 28}
